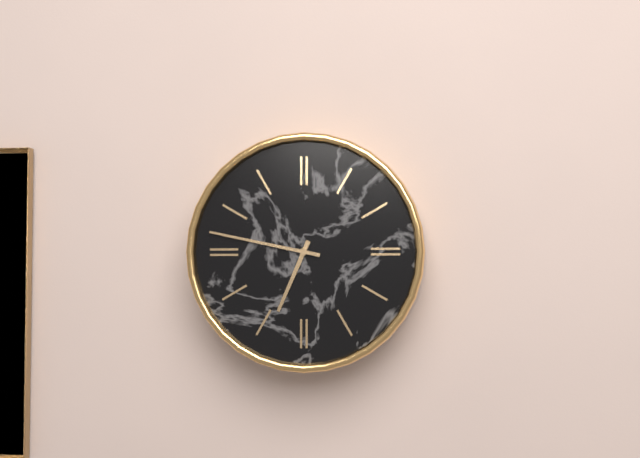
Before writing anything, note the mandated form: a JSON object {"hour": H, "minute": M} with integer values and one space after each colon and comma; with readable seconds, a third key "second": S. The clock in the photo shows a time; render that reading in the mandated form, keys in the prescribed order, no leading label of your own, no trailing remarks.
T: {"hour": 6, "minute": 47}
